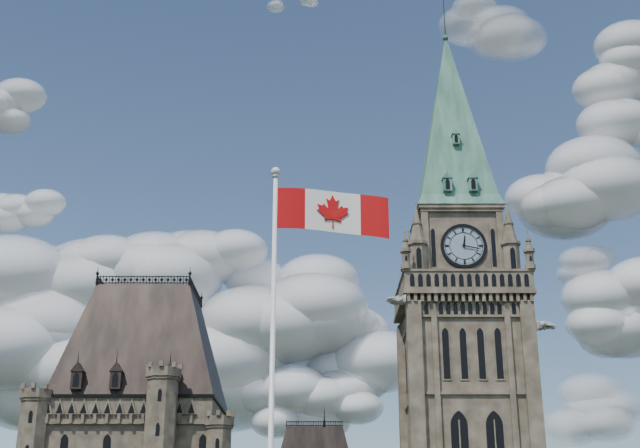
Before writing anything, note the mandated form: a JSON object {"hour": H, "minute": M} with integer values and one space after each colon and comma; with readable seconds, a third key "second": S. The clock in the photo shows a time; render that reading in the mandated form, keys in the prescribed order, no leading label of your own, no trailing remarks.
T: {"hour": 12, "minute": 17}
